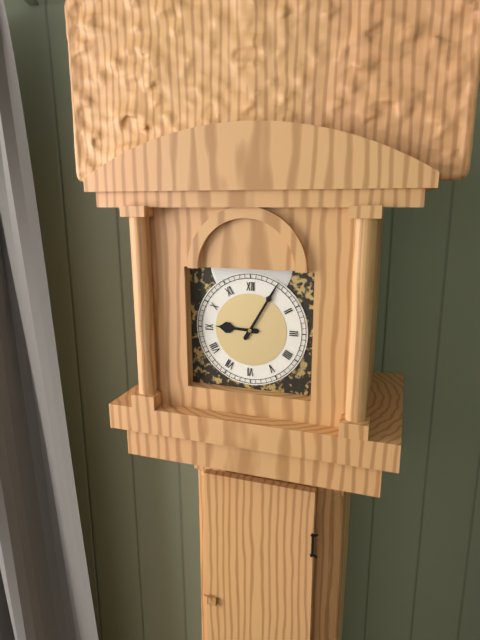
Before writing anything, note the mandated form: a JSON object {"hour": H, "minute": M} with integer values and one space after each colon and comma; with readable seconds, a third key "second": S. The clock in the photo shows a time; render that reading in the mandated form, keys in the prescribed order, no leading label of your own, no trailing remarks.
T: {"hour": 9, "minute": 5}
